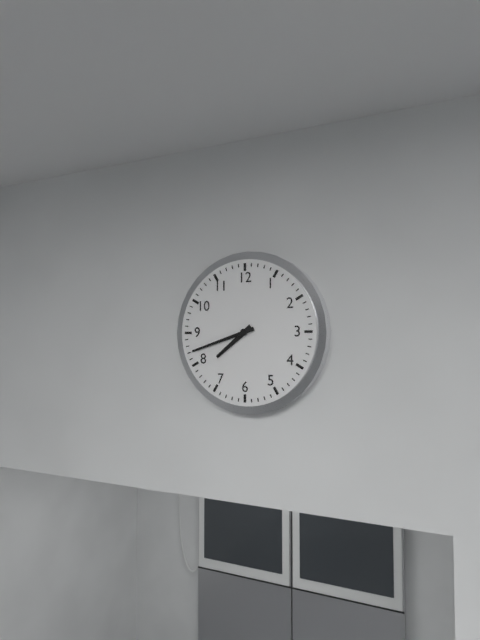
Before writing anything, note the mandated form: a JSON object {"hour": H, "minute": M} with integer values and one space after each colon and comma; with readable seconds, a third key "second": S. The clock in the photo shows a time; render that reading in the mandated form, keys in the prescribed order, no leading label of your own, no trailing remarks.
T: {"hour": 7, "minute": 42}
